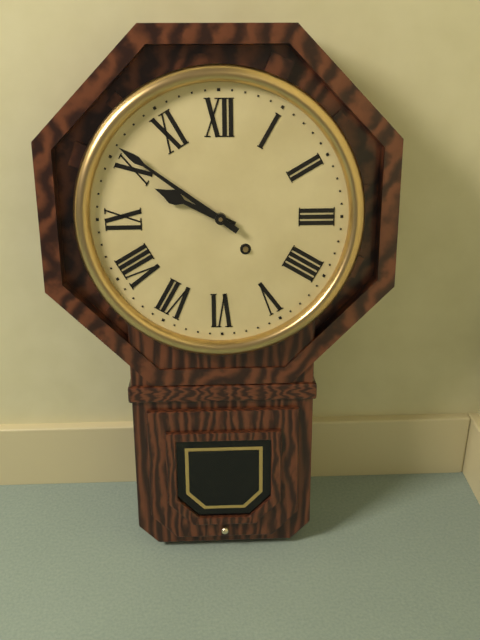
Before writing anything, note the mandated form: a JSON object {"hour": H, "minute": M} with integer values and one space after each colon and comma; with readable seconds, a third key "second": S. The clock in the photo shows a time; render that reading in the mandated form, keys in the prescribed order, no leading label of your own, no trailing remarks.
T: {"hour": 9, "minute": 51}
